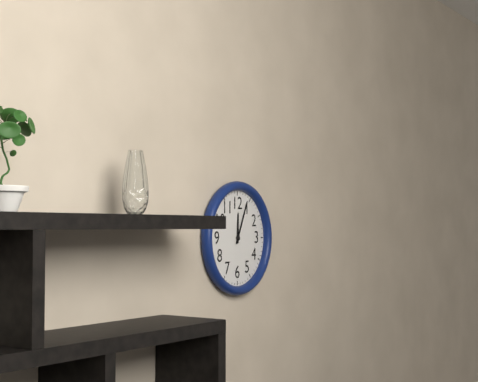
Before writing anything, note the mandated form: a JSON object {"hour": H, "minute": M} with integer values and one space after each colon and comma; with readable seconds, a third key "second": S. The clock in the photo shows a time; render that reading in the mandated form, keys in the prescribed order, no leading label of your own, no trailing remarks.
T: {"hour": 12, "minute": 4}
